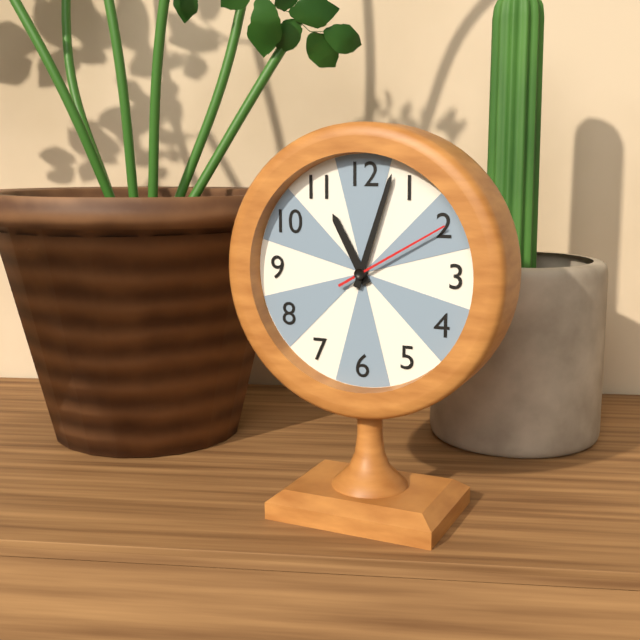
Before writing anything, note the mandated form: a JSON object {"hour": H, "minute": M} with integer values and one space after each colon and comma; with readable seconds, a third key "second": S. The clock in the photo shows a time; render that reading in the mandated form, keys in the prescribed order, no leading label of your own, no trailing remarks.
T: {"hour": 11, "minute": 3, "second": 10}
